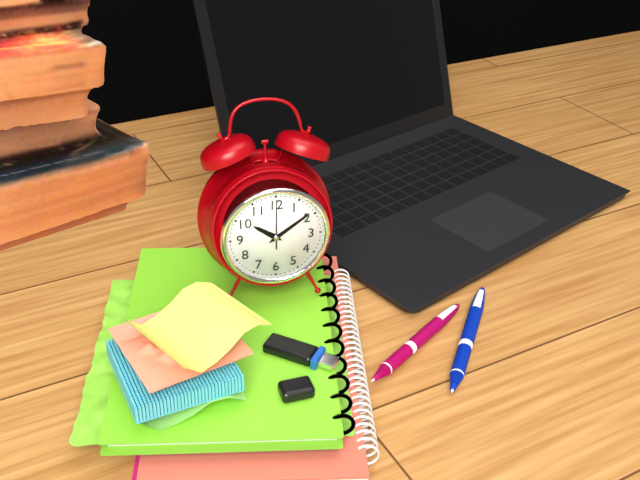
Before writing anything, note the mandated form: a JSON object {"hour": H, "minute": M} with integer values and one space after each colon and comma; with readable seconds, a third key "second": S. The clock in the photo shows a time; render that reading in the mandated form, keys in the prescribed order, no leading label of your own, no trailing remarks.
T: {"hour": 10, "minute": 9}
